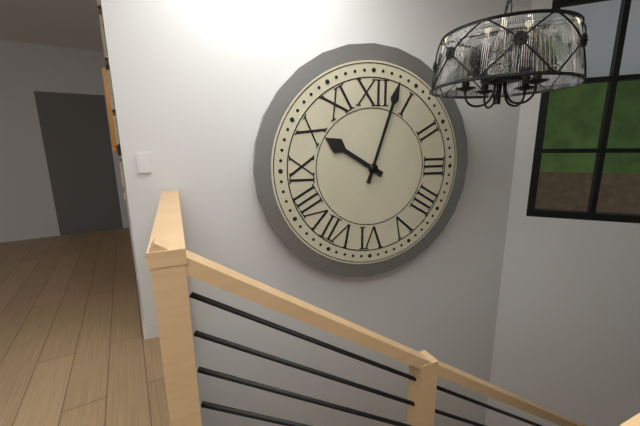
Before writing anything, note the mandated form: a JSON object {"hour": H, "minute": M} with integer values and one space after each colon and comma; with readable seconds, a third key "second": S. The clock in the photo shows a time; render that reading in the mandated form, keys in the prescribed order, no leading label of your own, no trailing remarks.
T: {"hour": 10, "minute": 3}
